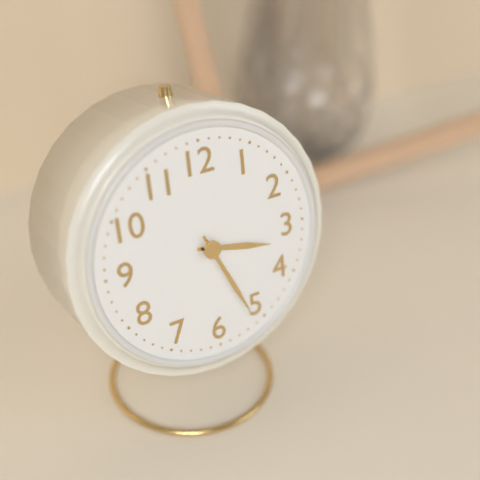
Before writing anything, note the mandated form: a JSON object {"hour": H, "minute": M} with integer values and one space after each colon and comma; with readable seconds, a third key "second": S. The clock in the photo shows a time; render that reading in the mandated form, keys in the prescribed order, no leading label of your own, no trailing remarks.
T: {"hour": 3, "minute": 26}
